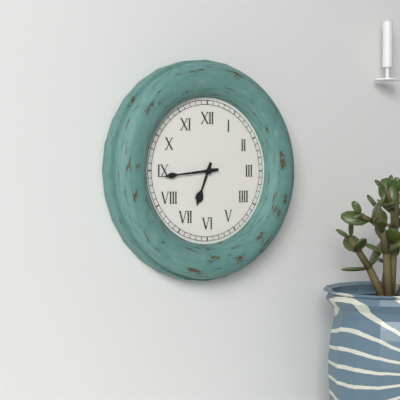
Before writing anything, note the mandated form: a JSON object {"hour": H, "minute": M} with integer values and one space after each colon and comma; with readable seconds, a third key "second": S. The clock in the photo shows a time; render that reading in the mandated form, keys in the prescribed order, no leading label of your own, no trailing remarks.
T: {"hour": 6, "minute": 44}
